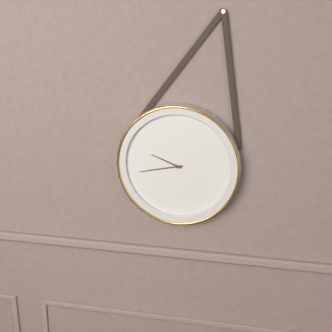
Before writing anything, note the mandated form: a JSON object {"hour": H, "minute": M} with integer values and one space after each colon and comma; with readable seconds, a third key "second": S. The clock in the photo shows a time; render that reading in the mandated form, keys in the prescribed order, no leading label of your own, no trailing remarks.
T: {"hour": 9, "minute": 43}
